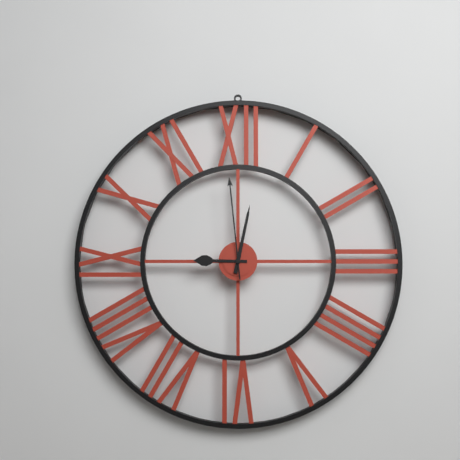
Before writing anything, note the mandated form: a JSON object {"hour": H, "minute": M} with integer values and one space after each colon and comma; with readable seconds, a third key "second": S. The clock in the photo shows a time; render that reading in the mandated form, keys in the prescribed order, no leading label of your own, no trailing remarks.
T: {"hour": 9, "minute": 2, "second": 59}
